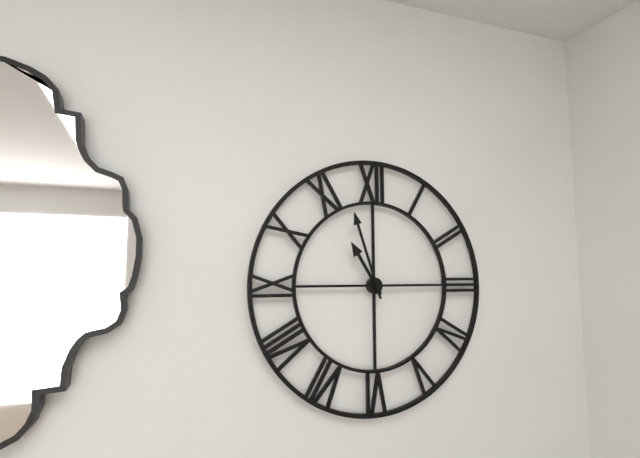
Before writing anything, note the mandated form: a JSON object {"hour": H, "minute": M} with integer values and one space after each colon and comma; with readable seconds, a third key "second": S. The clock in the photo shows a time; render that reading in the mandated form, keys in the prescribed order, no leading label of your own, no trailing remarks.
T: {"hour": 10, "minute": 57}
